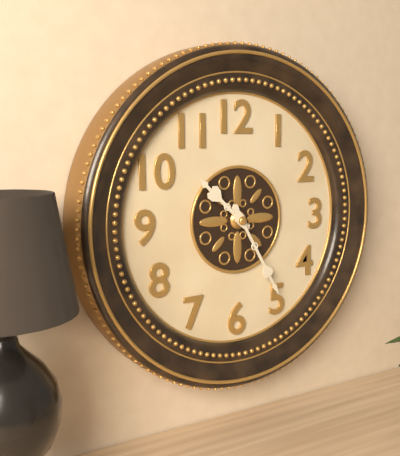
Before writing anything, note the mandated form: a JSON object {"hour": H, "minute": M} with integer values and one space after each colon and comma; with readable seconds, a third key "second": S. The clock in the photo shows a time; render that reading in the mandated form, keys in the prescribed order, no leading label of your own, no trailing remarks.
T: {"hour": 10, "minute": 25}
